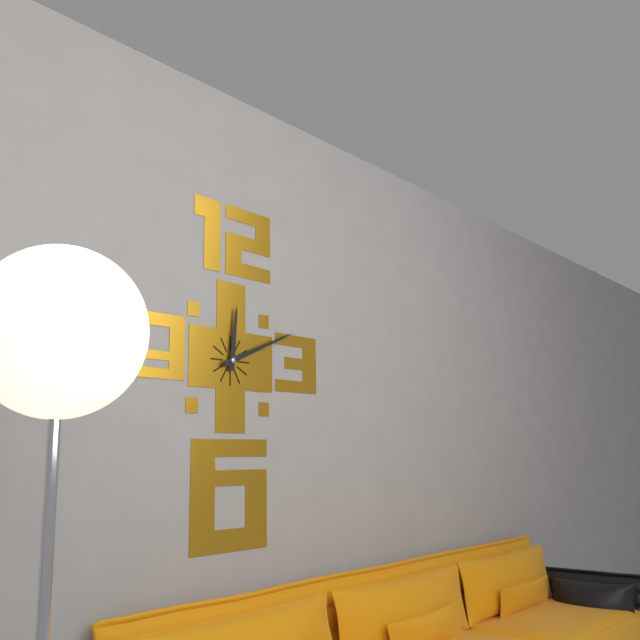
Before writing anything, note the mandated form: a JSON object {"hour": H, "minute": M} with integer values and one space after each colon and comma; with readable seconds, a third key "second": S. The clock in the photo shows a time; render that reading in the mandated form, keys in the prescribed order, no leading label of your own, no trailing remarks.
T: {"hour": 12, "minute": 11}
